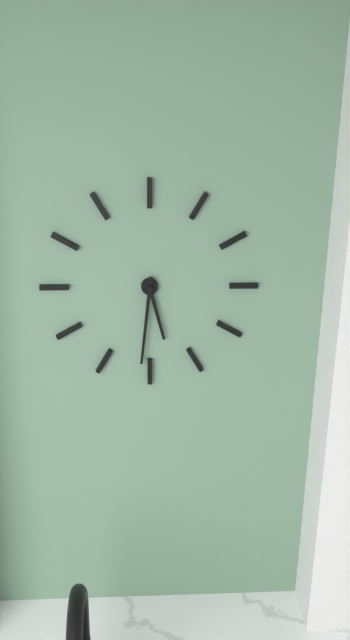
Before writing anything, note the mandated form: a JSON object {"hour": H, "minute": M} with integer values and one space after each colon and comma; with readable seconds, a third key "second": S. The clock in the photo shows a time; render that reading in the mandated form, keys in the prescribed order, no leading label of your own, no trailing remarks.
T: {"hour": 5, "minute": 31}
